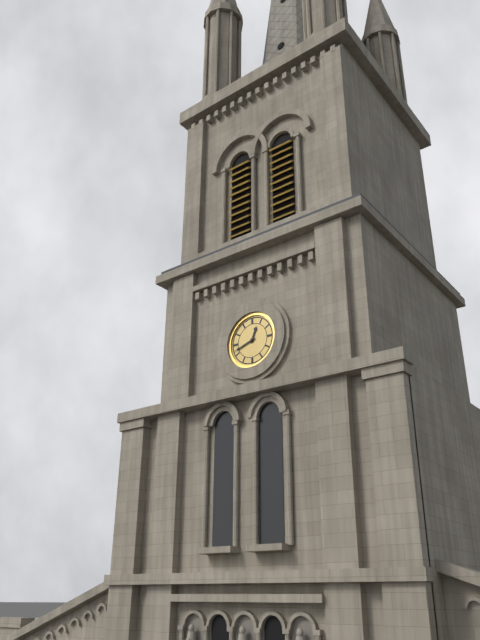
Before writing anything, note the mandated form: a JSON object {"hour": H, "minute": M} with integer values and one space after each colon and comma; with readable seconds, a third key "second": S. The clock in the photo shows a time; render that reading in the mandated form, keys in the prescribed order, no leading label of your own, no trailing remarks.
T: {"hour": 12, "minute": 42}
